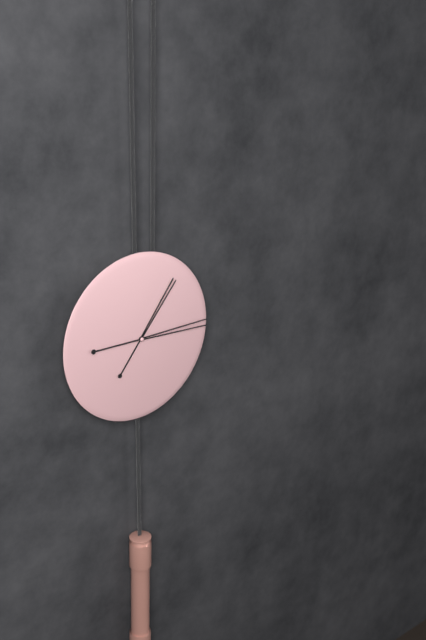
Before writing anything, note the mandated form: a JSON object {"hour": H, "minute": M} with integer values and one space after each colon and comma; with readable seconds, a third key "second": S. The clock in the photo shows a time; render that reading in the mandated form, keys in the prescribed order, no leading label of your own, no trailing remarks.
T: {"hour": 1, "minute": 15}
